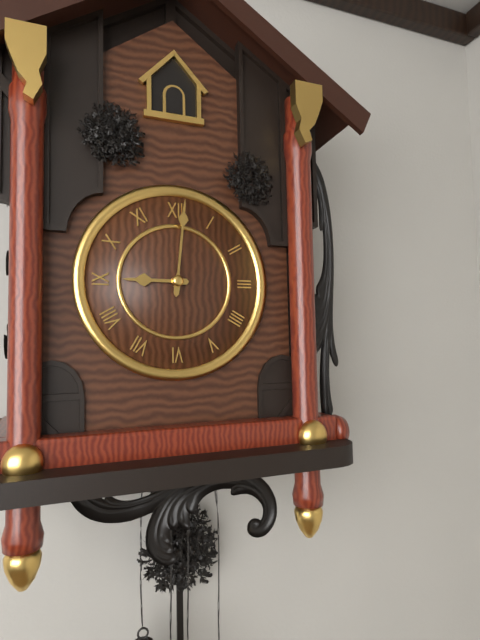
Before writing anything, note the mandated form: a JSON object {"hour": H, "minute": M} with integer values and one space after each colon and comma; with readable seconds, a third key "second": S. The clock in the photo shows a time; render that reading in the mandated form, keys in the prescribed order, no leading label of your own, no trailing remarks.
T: {"hour": 9, "minute": 1}
